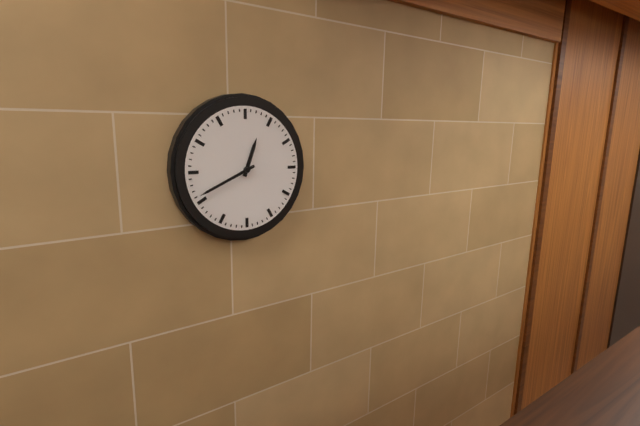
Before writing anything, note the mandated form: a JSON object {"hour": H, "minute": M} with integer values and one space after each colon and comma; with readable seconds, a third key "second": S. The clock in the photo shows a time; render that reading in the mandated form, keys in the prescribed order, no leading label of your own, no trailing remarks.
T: {"hour": 12, "minute": 41}
